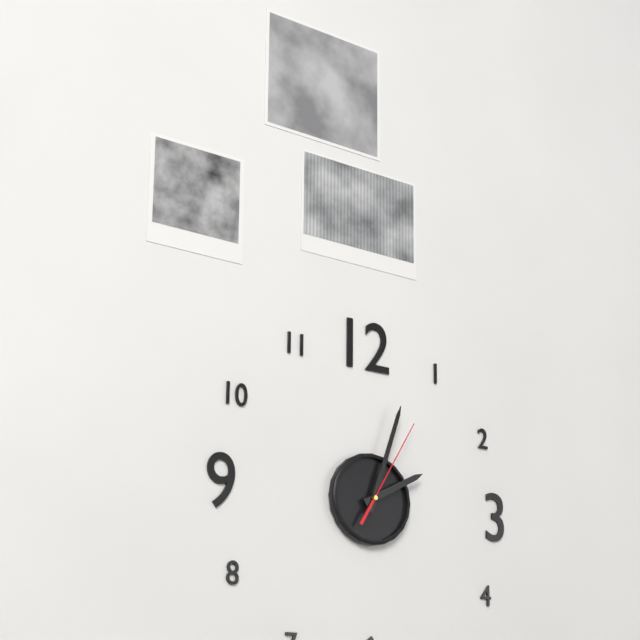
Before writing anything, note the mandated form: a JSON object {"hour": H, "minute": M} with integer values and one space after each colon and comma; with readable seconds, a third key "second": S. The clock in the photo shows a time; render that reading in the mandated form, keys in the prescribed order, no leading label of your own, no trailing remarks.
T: {"hour": 2, "minute": 3, "second": 5}
